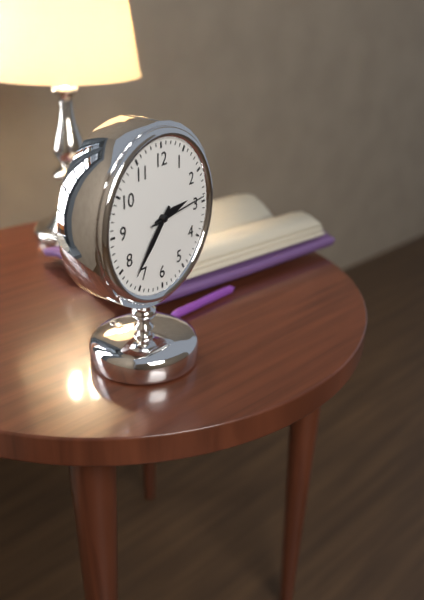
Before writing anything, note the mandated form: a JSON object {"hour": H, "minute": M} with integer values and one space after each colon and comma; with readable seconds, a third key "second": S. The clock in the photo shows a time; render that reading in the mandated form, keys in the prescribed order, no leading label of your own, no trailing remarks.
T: {"hour": 2, "minute": 37, "second": 14}
